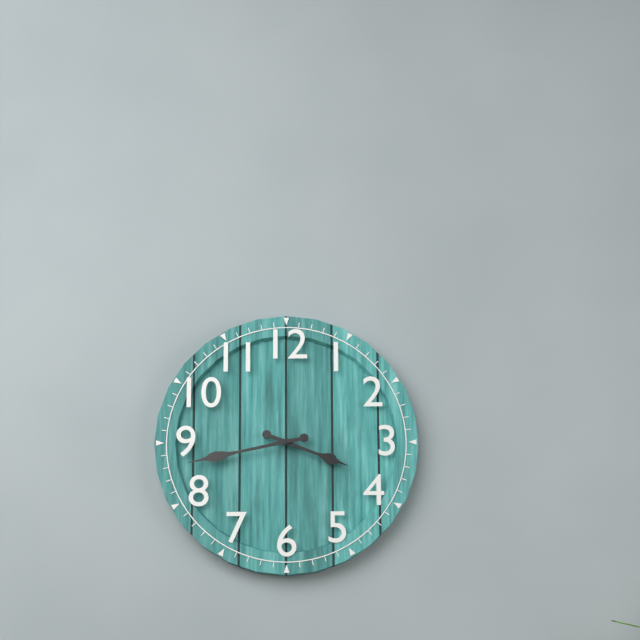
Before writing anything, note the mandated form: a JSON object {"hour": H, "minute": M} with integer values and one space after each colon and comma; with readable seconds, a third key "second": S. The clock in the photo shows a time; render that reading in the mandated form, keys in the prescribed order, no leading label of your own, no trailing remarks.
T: {"hour": 3, "minute": 43}
